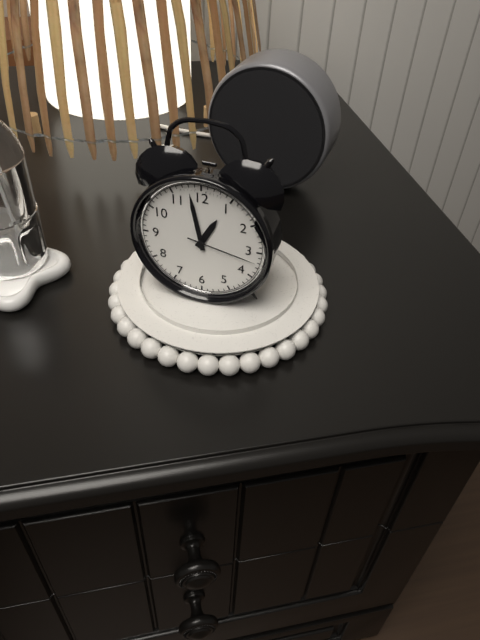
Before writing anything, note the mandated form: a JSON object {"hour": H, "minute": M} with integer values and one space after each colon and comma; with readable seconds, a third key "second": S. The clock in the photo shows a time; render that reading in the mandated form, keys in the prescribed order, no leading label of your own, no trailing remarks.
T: {"hour": 12, "minute": 58, "second": 17}
